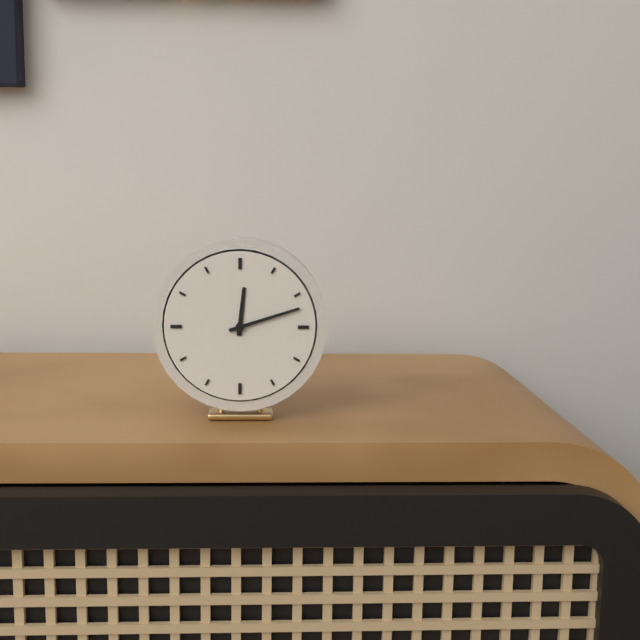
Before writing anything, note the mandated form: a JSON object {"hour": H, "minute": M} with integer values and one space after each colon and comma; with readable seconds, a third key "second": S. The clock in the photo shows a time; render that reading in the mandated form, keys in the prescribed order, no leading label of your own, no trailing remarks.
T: {"hour": 12, "minute": 12}
